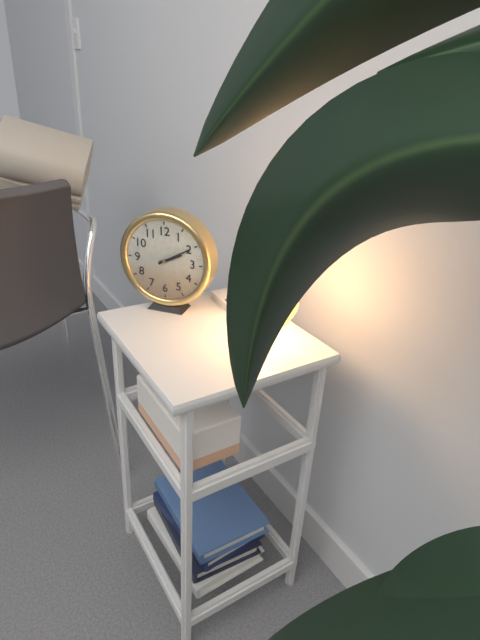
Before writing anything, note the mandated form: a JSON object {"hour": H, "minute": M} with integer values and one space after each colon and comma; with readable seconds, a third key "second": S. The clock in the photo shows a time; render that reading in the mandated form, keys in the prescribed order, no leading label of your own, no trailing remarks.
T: {"hour": 2, "minute": 10}
